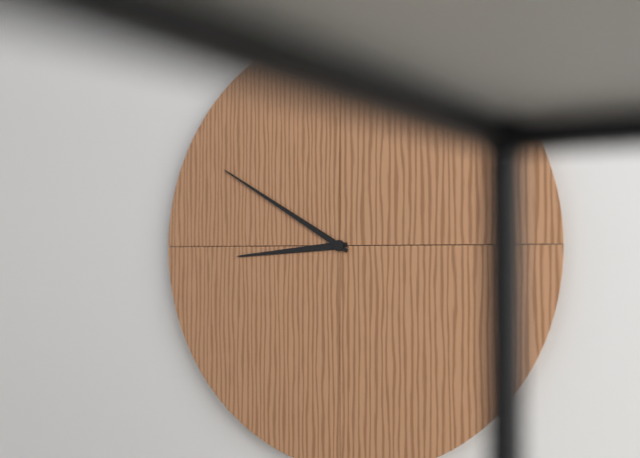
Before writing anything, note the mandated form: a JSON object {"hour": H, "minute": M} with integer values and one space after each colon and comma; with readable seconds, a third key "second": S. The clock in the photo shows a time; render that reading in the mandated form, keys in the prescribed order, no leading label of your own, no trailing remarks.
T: {"hour": 8, "minute": 50}
